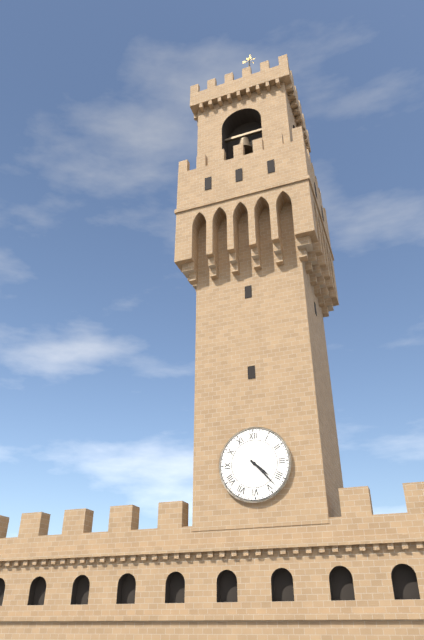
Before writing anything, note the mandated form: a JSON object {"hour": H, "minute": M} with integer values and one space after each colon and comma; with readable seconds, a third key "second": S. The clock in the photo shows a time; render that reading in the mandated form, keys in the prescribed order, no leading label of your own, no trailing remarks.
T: {"hour": 4, "minute": 23}
